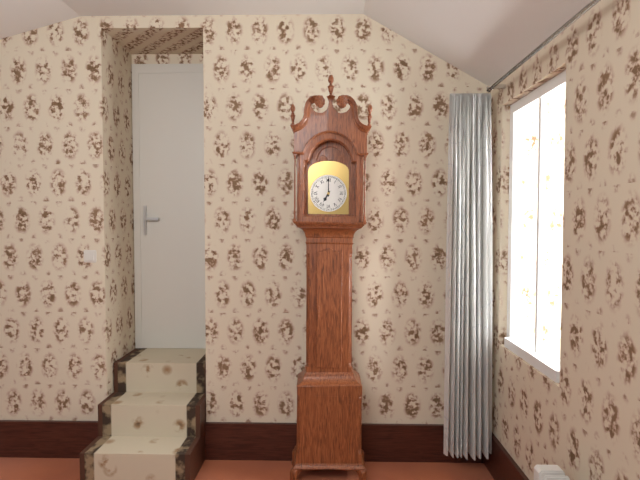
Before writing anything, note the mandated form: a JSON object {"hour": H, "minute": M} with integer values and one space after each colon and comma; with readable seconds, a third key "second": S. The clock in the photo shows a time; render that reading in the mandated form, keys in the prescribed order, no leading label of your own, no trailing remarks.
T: {"hour": 7, "minute": 0}
